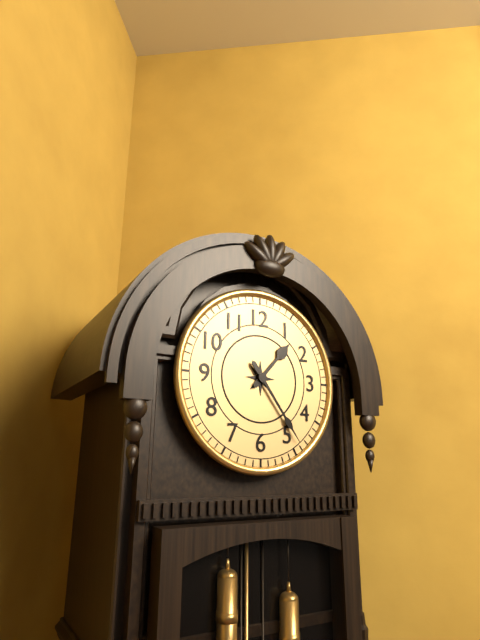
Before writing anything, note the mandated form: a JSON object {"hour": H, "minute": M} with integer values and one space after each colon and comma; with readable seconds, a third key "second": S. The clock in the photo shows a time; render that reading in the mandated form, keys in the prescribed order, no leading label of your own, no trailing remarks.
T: {"hour": 1, "minute": 24}
